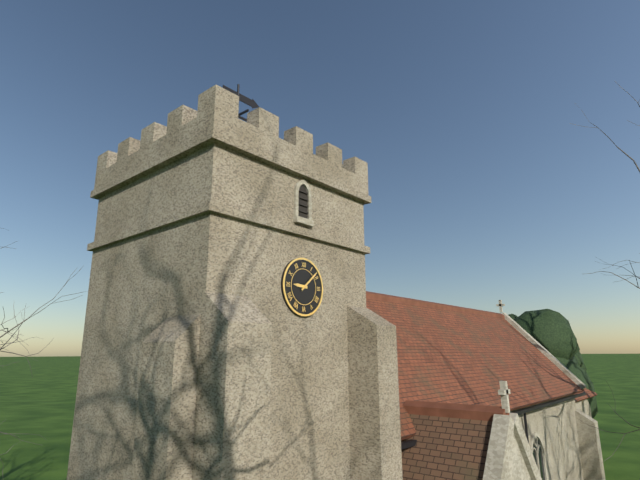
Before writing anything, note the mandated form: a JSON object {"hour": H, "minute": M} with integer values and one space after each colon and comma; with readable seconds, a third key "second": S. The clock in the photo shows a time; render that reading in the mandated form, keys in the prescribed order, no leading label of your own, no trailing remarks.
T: {"hour": 9, "minute": 8}
